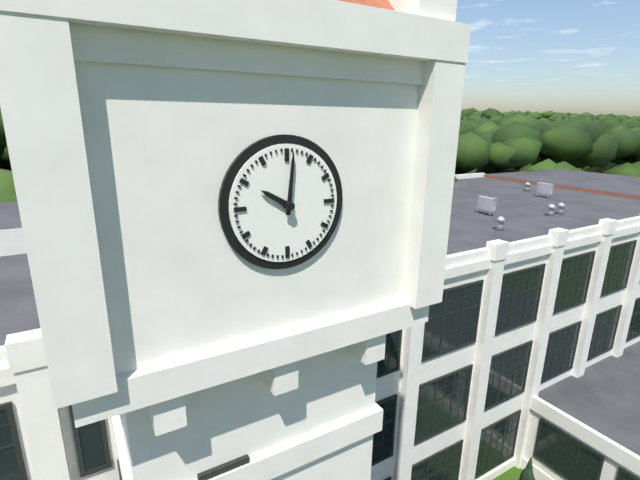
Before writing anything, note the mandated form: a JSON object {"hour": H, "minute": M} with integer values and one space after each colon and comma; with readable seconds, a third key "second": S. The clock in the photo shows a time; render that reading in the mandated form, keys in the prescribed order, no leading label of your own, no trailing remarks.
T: {"hour": 10, "minute": 1}
